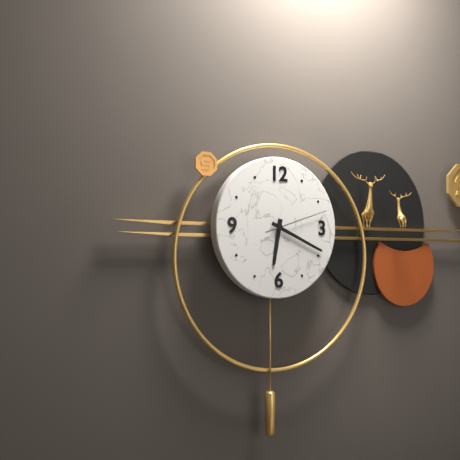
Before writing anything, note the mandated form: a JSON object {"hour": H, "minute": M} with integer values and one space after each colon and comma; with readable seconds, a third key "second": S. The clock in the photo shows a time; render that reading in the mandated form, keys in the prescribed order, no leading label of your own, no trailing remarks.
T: {"hour": 6, "minute": 19, "second": 12}
